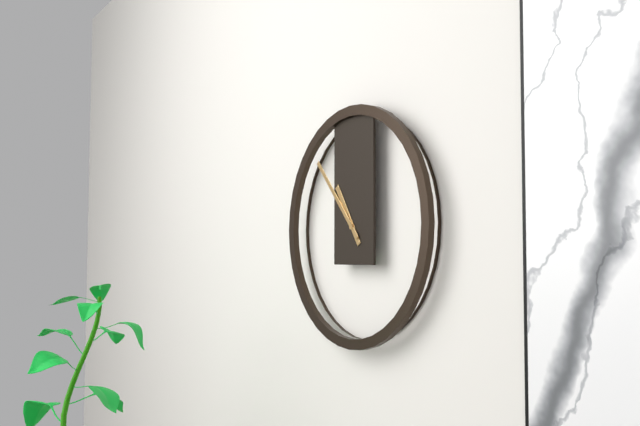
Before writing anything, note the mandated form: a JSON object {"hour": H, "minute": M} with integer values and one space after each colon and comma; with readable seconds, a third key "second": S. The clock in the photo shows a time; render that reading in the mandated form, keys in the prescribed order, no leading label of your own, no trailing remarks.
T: {"hour": 10, "minute": 53}
